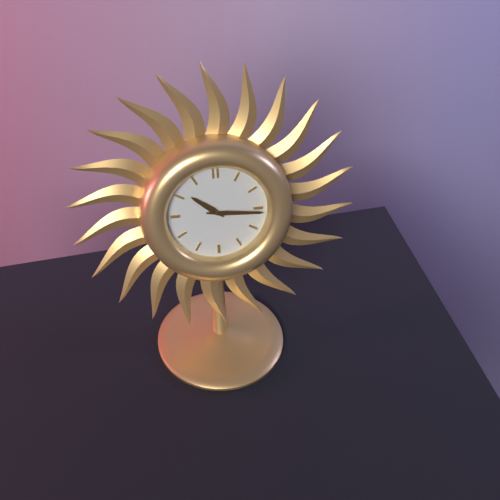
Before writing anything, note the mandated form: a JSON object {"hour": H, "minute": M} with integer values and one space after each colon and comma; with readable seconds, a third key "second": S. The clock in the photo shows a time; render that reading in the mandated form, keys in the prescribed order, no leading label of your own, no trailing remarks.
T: {"hour": 10, "minute": 16}
